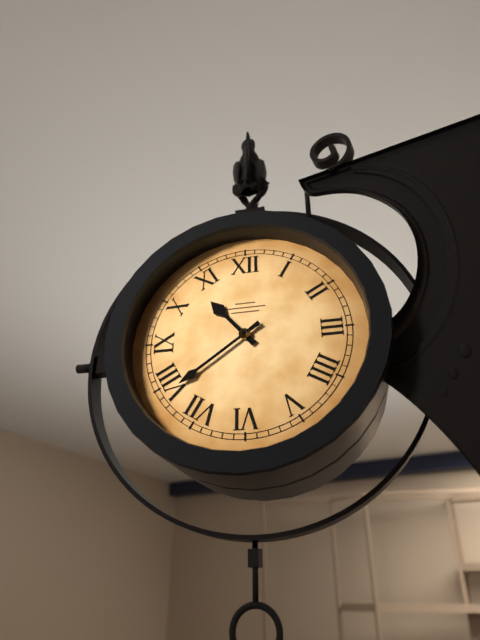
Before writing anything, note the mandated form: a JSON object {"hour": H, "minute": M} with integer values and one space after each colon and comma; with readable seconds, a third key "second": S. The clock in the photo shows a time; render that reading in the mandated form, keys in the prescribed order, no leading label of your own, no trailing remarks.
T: {"hour": 10, "minute": 39}
